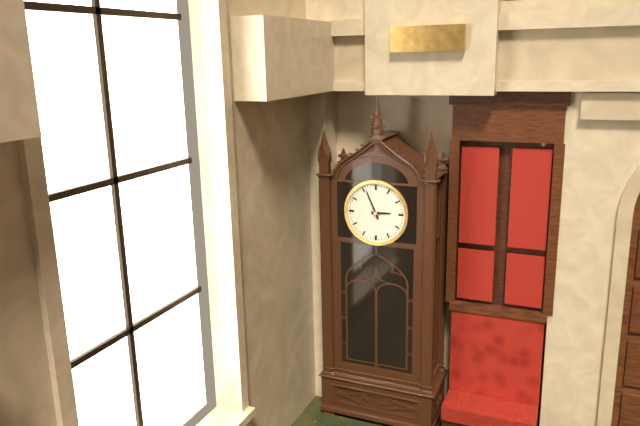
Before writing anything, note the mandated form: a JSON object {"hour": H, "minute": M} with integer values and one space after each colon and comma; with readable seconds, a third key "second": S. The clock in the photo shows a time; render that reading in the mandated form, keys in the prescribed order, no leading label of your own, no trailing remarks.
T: {"hour": 2, "minute": 56}
